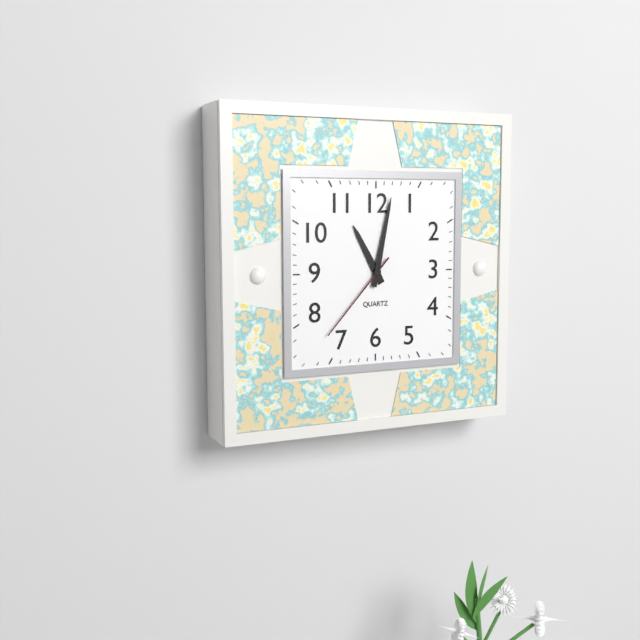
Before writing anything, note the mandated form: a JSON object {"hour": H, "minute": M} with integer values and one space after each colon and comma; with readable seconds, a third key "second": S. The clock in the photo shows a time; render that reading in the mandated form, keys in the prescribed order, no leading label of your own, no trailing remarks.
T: {"hour": 11, "minute": 2, "second": 37}
